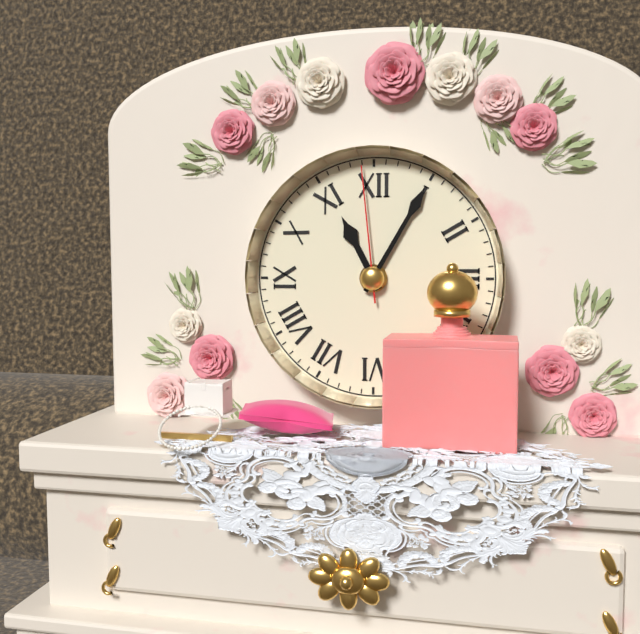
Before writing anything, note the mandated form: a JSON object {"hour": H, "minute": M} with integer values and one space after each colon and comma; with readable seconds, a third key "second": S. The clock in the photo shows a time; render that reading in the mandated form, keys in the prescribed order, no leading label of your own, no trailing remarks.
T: {"hour": 11, "minute": 5, "second": 59}
